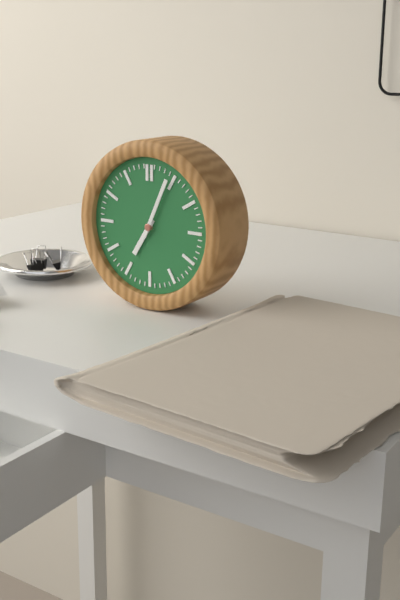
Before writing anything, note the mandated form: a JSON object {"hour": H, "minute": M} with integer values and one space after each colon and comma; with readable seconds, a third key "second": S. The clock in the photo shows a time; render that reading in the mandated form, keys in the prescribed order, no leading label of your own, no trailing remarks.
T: {"hour": 7, "minute": 4}
